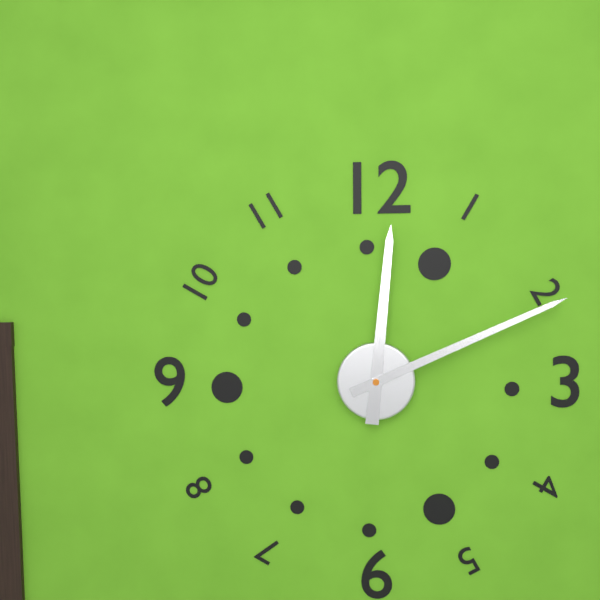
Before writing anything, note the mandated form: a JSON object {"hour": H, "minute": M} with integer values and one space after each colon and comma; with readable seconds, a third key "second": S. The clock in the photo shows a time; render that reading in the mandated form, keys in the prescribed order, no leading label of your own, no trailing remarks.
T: {"hour": 12, "minute": 11}
